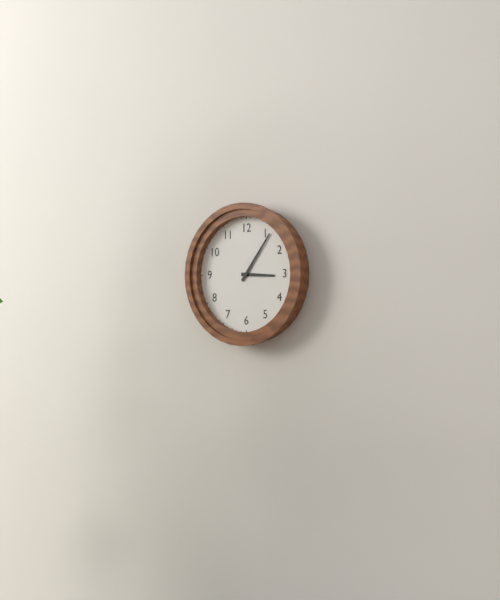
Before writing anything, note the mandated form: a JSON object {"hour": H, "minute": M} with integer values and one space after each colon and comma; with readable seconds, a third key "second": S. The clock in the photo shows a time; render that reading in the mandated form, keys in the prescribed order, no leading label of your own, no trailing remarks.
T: {"hour": 3, "minute": 6}
